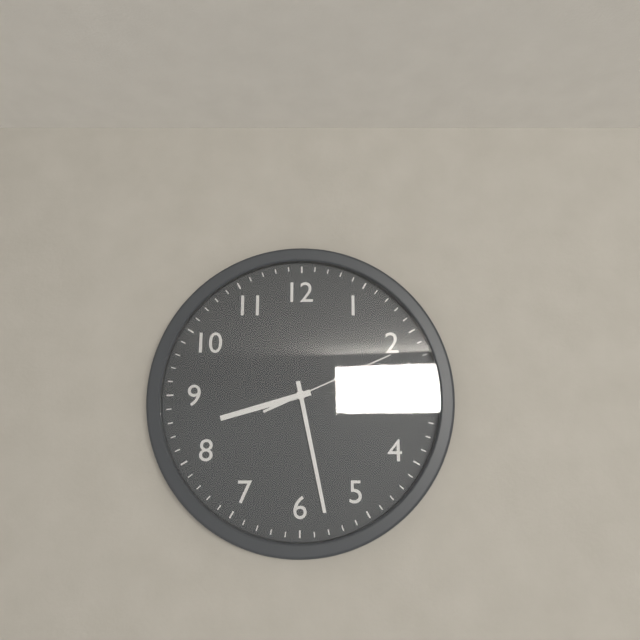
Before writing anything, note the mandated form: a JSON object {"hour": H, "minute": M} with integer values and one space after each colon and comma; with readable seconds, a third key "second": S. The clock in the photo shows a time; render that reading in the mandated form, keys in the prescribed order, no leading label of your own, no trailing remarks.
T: {"hour": 8, "minute": 28, "second": 11}
